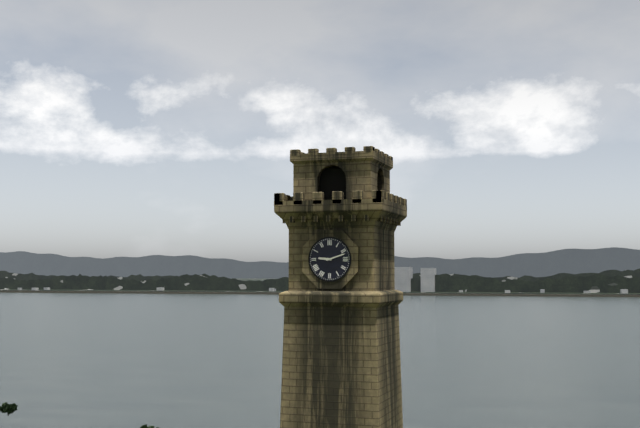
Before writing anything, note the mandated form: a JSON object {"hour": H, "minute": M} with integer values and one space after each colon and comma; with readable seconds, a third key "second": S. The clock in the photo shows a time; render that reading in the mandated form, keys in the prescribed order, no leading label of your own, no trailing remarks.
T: {"hour": 9, "minute": 12}
